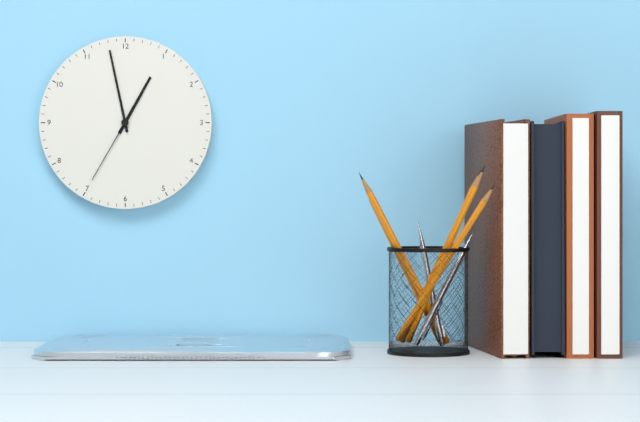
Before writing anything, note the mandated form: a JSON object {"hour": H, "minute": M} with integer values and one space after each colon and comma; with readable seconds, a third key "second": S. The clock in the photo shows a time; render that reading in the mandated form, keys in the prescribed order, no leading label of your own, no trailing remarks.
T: {"hour": 12, "minute": 58, "second": 35}
